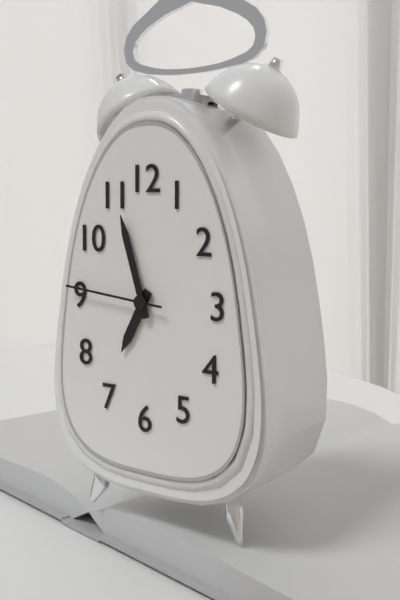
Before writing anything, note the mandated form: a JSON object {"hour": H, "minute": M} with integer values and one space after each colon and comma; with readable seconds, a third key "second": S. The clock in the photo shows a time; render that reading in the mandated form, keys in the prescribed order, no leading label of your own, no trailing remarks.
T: {"hour": 6, "minute": 57, "second": 46}
